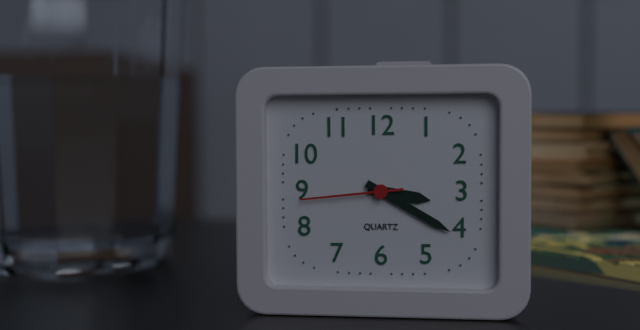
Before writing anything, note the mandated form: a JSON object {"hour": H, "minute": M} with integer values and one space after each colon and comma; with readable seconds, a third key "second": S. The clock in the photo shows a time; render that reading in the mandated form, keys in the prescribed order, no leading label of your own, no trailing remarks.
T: {"hour": 3, "minute": 20, "second": 44}
